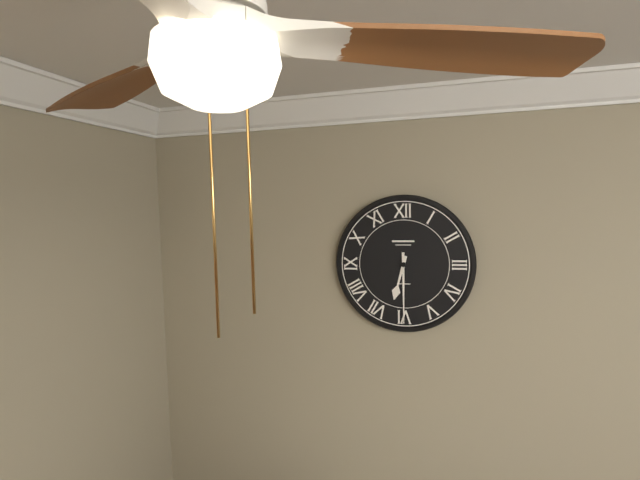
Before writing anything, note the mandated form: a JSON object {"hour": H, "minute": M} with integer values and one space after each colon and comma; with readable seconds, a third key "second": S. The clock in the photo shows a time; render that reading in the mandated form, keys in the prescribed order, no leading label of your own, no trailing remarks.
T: {"hour": 6, "minute": 30}
